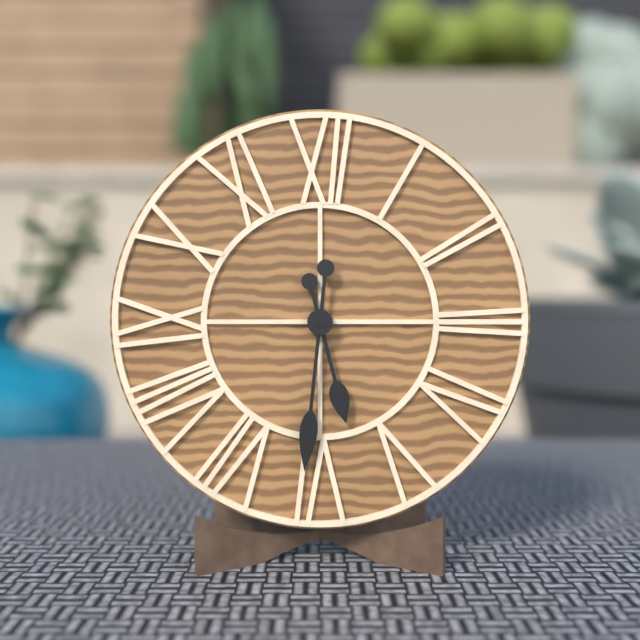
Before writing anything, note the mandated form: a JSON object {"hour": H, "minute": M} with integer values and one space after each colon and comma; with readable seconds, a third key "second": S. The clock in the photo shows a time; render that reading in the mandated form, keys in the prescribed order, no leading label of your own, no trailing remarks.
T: {"hour": 5, "minute": 31}
